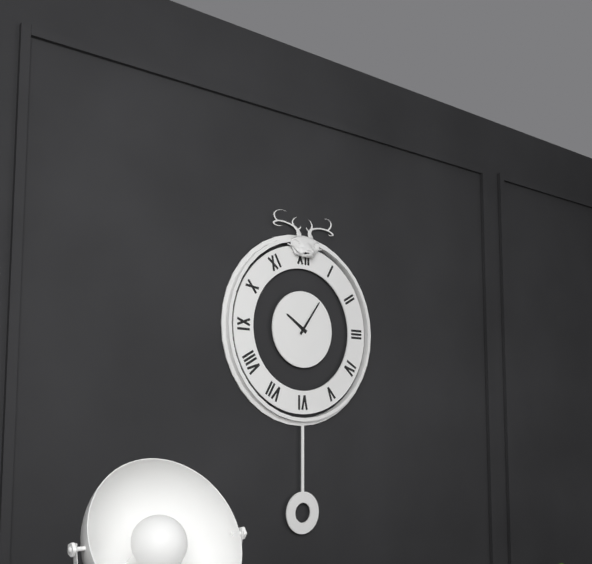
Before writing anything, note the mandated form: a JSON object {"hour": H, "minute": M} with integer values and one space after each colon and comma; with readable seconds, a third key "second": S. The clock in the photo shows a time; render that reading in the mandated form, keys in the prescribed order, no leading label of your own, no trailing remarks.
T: {"hour": 10, "minute": 6}
